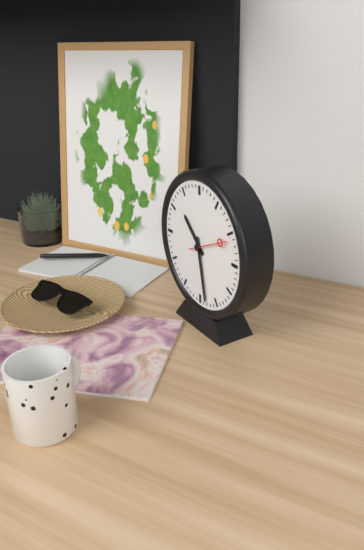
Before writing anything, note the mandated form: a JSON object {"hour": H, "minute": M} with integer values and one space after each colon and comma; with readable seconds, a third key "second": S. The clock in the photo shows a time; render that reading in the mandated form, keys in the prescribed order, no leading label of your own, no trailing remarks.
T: {"hour": 10, "minute": 28}
